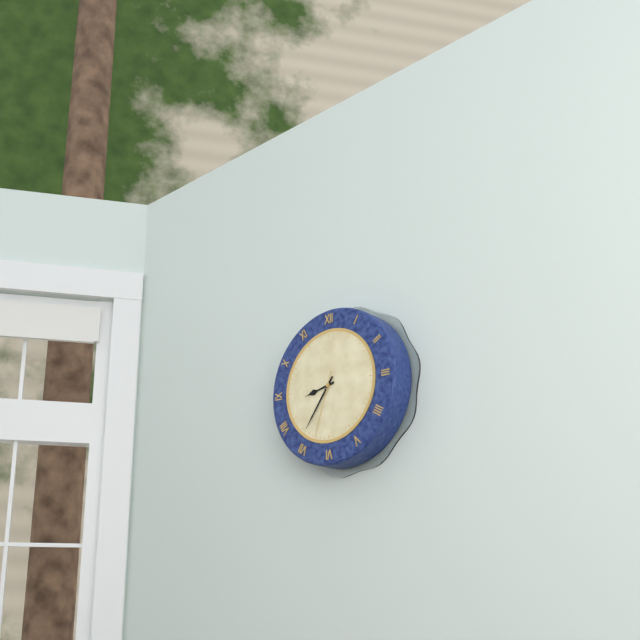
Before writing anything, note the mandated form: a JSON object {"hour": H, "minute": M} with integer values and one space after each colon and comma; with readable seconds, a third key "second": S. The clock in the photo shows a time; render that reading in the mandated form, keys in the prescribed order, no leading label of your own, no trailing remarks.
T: {"hour": 8, "minute": 36, "second": 33}
